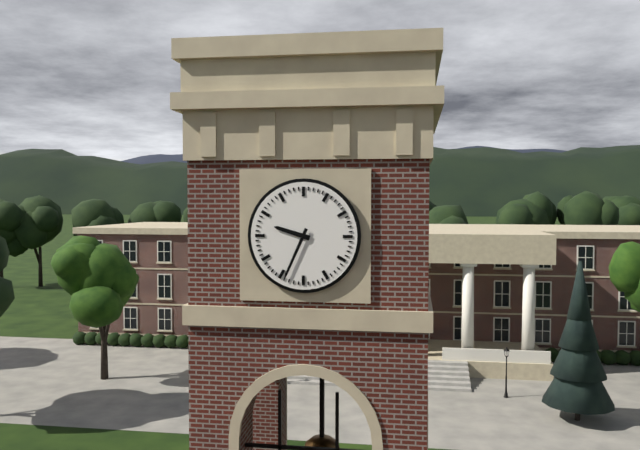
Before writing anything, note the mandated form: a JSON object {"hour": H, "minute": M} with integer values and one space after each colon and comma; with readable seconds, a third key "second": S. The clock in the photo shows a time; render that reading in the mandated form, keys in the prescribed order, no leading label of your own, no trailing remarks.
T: {"hour": 9, "minute": 34}
